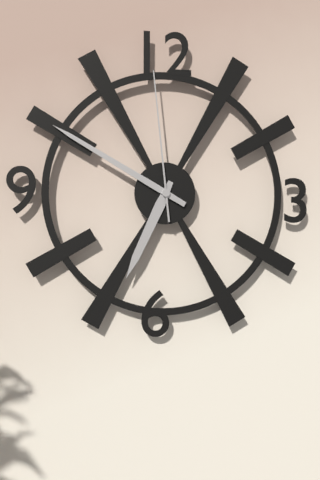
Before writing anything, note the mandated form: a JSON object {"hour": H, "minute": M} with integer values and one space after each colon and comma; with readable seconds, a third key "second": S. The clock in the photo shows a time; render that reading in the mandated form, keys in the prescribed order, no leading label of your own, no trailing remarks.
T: {"hour": 6, "minute": 50, "second": 59}
